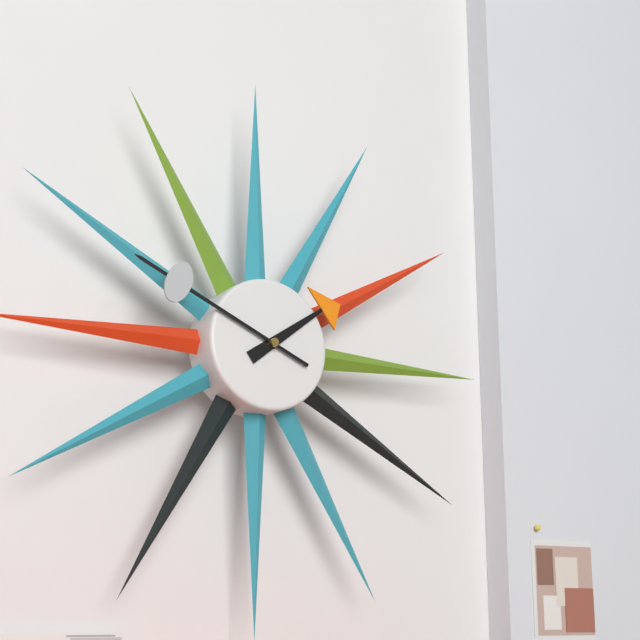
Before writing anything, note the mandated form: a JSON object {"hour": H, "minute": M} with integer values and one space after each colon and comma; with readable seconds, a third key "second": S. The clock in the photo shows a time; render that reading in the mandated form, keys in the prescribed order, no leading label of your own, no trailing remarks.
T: {"hour": 1, "minute": 49}
